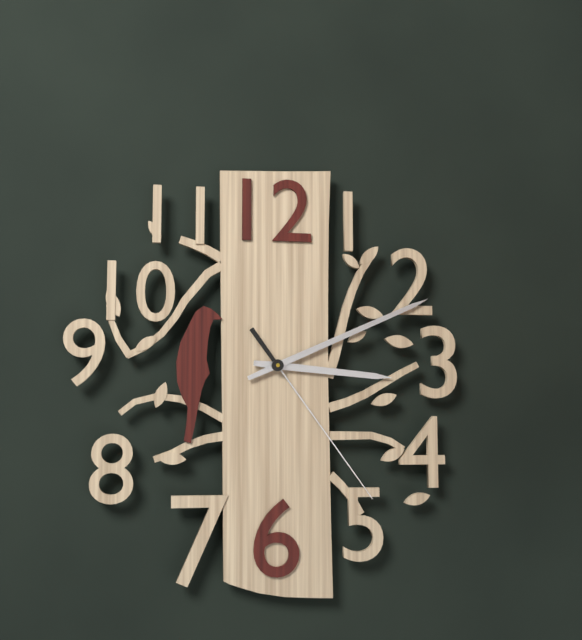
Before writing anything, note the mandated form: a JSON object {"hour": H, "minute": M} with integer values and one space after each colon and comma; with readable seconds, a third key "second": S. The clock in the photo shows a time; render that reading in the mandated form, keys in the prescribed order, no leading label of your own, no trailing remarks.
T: {"hour": 3, "minute": 11, "second": 24}
